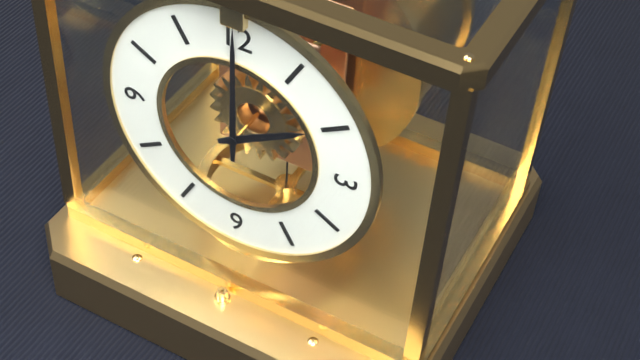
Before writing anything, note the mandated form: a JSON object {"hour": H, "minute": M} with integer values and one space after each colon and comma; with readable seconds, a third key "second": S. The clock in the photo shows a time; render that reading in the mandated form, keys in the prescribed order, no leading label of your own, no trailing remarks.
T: {"hour": 2, "minute": 0}
